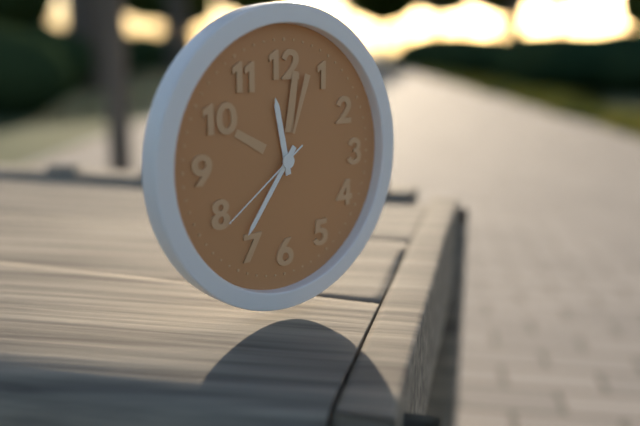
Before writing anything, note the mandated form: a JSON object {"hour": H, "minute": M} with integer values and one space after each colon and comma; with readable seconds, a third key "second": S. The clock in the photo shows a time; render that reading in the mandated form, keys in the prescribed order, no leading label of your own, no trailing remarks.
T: {"hour": 11, "minute": 36, "second": 39}
